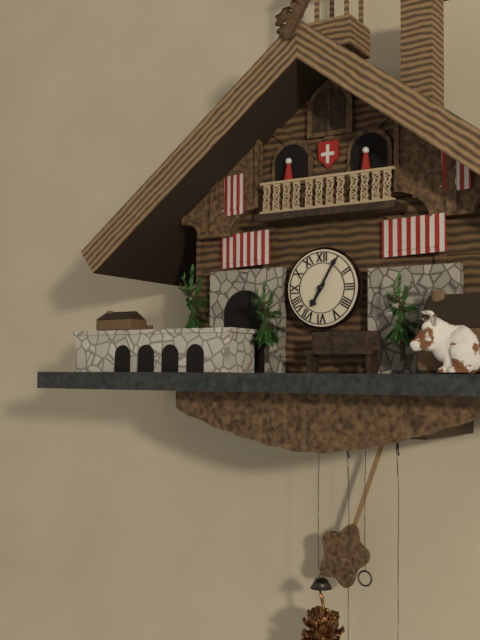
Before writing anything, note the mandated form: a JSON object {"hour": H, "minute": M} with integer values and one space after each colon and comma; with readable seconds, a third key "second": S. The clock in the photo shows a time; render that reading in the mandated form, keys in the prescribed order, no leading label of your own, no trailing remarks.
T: {"hour": 7, "minute": 5}
